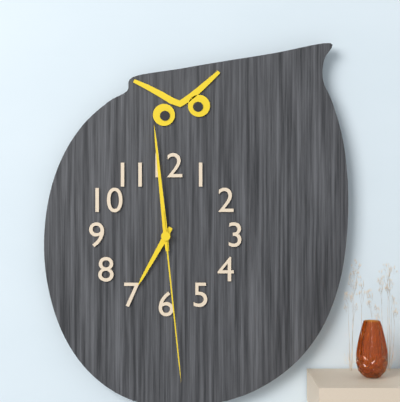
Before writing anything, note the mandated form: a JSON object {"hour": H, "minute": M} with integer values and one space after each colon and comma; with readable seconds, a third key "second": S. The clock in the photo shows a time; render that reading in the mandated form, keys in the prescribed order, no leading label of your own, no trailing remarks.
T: {"hour": 6, "minute": 59, "second": 29}
